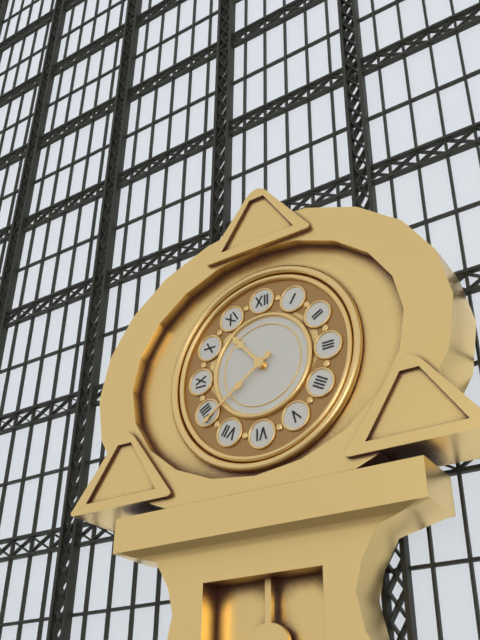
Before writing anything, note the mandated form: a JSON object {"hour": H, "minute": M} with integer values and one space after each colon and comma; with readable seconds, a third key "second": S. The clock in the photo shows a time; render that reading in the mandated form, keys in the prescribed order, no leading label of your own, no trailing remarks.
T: {"hour": 10, "minute": 39}
